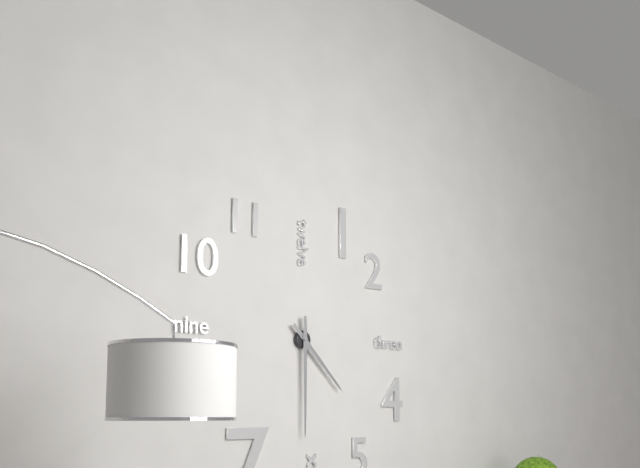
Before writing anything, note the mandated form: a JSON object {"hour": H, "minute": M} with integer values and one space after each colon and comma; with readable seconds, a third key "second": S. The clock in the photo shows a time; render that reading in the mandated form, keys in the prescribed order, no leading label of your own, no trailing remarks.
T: {"hour": 4, "minute": 30}
